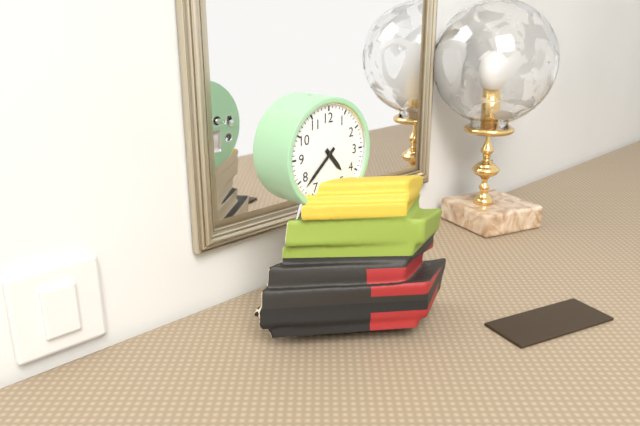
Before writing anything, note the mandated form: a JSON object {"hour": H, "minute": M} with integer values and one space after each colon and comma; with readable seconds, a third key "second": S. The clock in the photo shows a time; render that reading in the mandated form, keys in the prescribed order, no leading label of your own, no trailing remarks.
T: {"hour": 4, "minute": 38}
